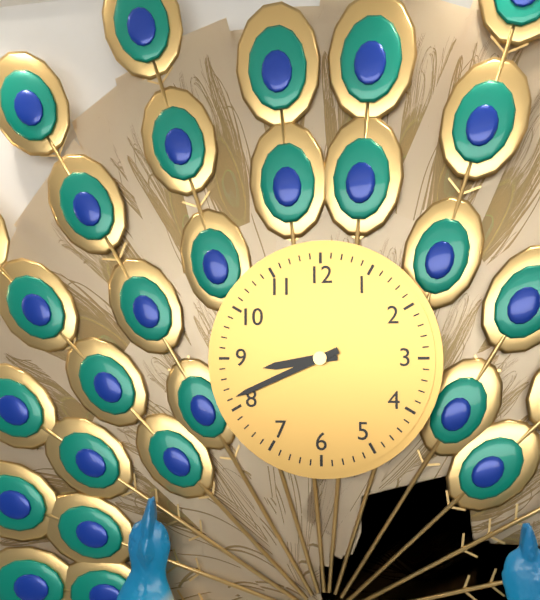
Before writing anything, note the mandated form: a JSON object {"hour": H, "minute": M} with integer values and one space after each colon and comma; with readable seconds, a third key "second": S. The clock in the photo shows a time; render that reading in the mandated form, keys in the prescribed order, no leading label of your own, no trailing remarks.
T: {"hour": 8, "minute": 41}
